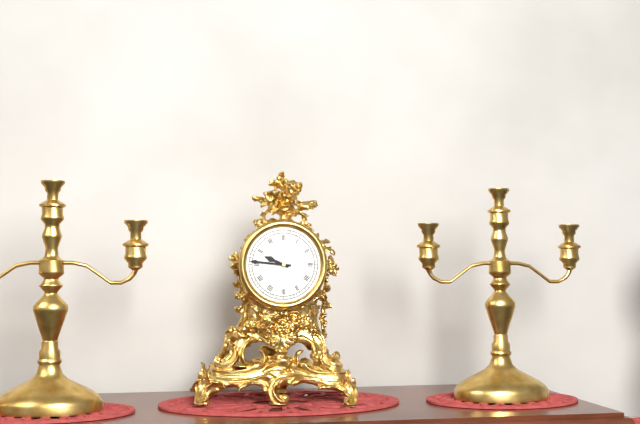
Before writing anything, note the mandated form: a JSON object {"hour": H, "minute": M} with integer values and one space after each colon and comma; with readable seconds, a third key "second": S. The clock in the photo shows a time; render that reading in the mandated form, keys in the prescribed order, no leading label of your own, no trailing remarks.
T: {"hour": 9, "minute": 46}
